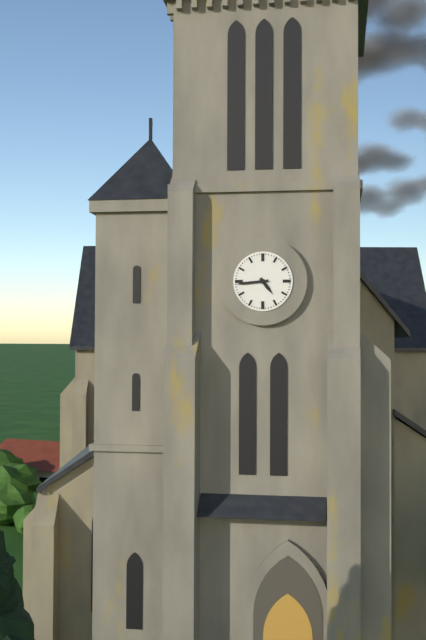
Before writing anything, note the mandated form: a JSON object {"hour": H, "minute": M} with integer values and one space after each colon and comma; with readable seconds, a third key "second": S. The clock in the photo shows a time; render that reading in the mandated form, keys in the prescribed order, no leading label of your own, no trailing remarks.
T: {"hour": 4, "minute": 44}
